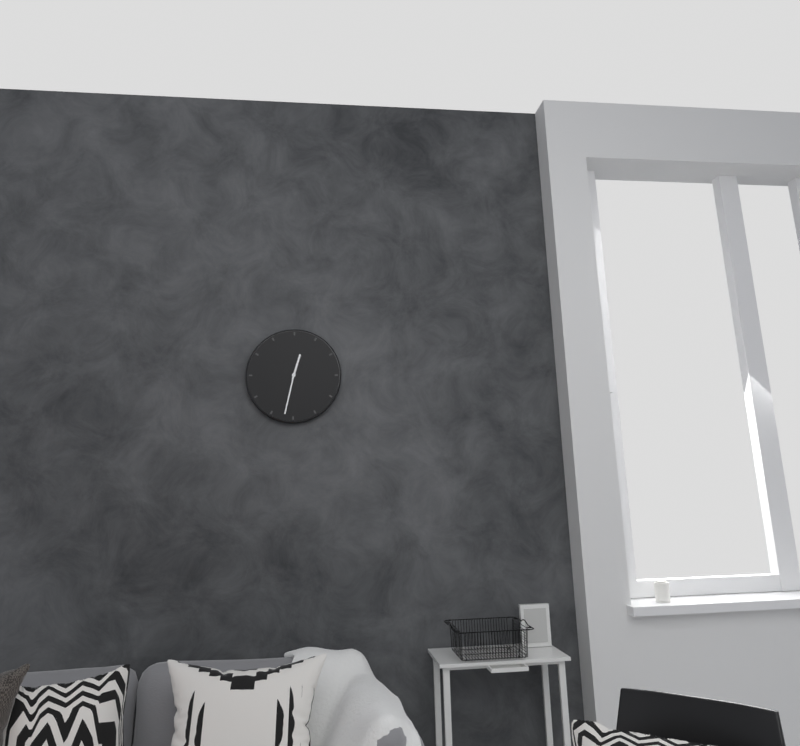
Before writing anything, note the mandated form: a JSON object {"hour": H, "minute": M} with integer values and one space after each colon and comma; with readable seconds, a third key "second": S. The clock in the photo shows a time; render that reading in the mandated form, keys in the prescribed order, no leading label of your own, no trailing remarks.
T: {"hour": 12, "minute": 32}
